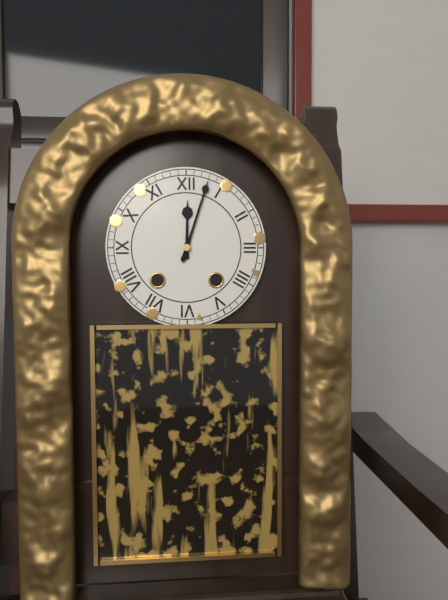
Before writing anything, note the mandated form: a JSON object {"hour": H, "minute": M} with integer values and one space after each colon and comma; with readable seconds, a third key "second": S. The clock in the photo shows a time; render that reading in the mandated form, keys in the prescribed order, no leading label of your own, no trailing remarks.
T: {"hour": 12, "minute": 3}
